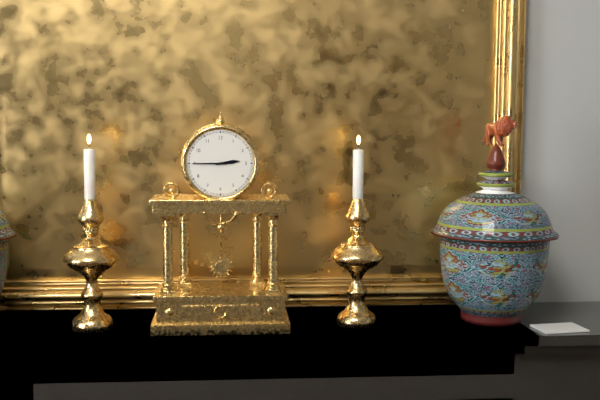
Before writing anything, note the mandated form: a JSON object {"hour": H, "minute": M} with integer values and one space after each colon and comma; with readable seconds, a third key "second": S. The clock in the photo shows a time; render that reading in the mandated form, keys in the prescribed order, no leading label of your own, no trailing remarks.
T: {"hour": 2, "minute": 45}
